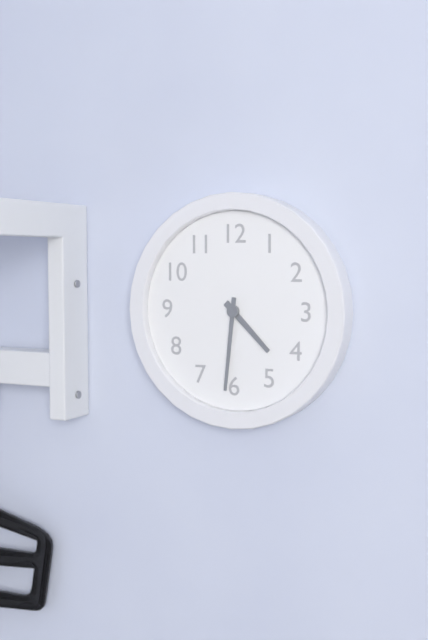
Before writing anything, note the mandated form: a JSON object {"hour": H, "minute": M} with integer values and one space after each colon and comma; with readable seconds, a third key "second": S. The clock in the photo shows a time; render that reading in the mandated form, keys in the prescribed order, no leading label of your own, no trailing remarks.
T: {"hour": 4, "minute": 31}
